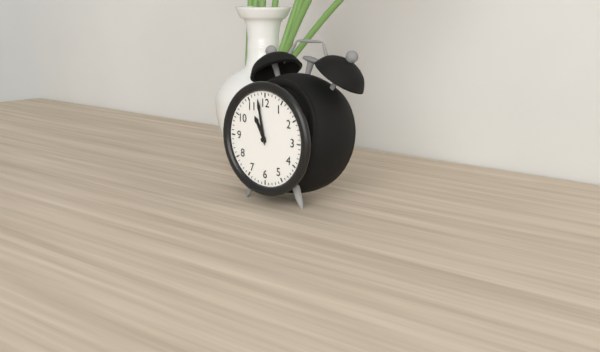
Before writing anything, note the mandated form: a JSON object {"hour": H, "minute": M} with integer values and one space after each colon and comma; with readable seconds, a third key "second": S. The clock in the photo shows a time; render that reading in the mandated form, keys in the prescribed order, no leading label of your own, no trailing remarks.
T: {"hour": 10, "minute": 58}
